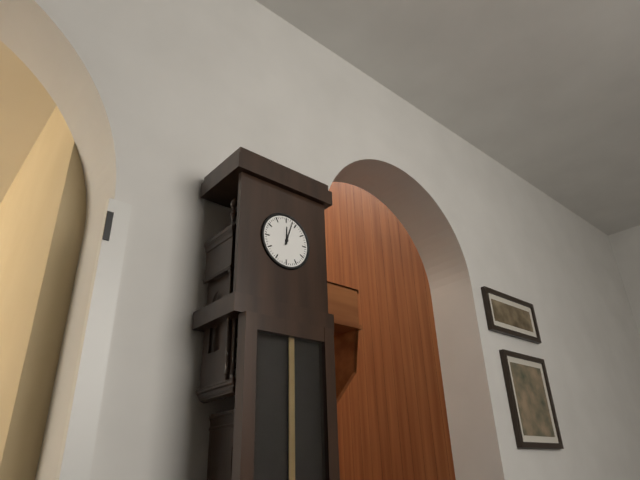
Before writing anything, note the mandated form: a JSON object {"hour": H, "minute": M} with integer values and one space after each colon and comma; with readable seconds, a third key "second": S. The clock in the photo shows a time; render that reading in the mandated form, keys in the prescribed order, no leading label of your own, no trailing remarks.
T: {"hour": 12, "minute": 3}
